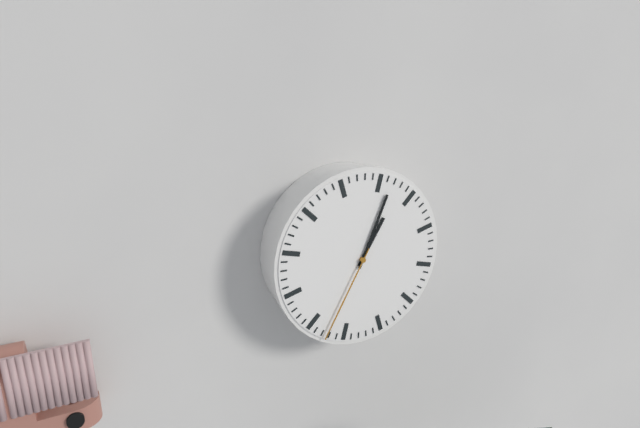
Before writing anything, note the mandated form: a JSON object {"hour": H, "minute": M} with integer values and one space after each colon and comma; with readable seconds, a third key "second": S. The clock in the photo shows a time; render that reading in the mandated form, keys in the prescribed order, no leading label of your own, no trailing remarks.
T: {"hour": 1, "minute": 4, "second": 35}
